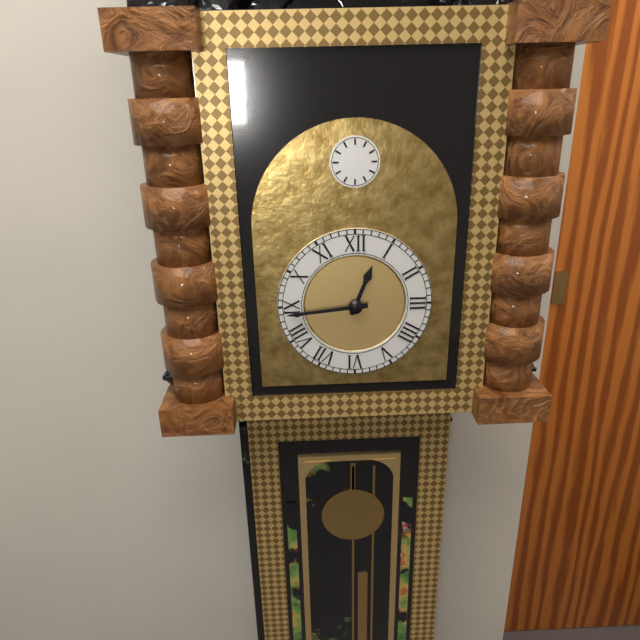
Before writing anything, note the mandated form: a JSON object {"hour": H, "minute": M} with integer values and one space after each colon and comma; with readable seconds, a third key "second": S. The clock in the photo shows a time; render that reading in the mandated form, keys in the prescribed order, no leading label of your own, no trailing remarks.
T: {"hour": 12, "minute": 44}
